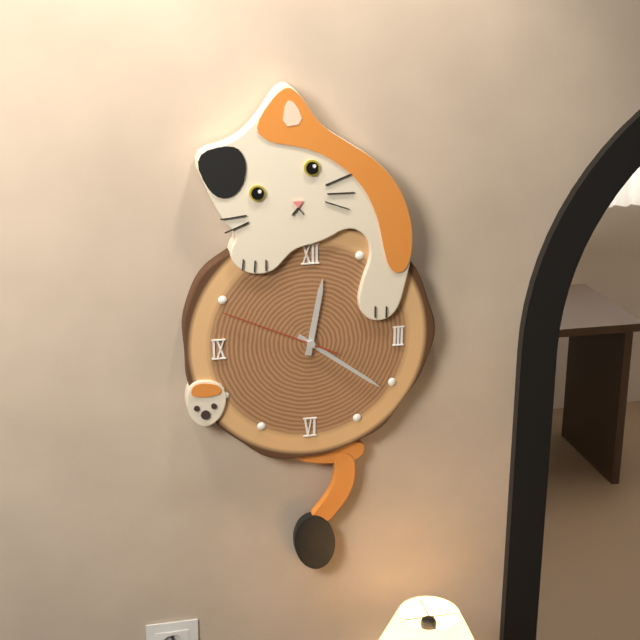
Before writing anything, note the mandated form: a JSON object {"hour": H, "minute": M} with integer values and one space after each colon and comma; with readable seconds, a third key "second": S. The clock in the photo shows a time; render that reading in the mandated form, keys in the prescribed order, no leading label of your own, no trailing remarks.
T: {"hour": 12, "minute": 21, "second": 49}
